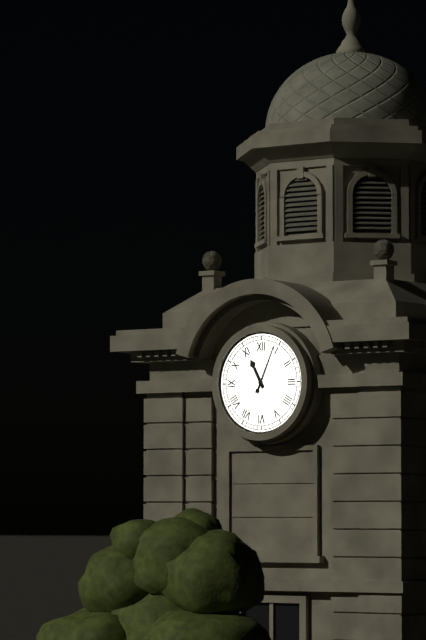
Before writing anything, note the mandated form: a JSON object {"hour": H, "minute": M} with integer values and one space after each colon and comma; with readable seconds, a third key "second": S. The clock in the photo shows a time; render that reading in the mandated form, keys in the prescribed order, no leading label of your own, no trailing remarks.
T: {"hour": 11, "minute": 4}
